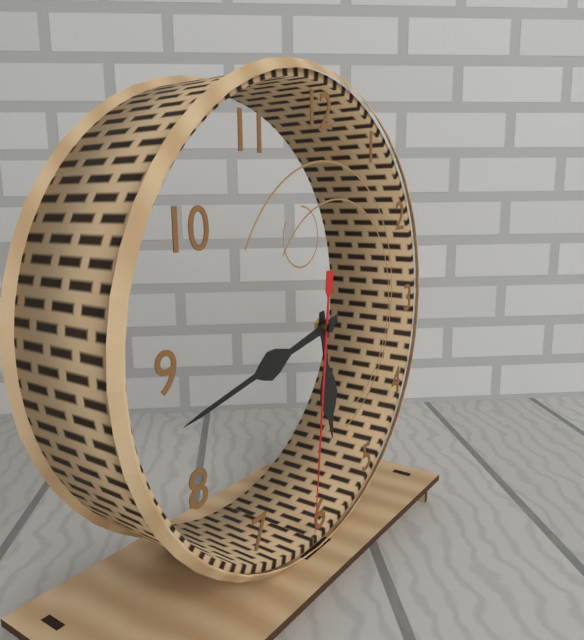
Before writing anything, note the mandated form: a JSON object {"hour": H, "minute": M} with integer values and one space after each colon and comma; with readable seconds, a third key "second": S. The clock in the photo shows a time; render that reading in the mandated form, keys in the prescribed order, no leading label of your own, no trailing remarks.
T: {"hour": 5, "minute": 43, "second": 31}
